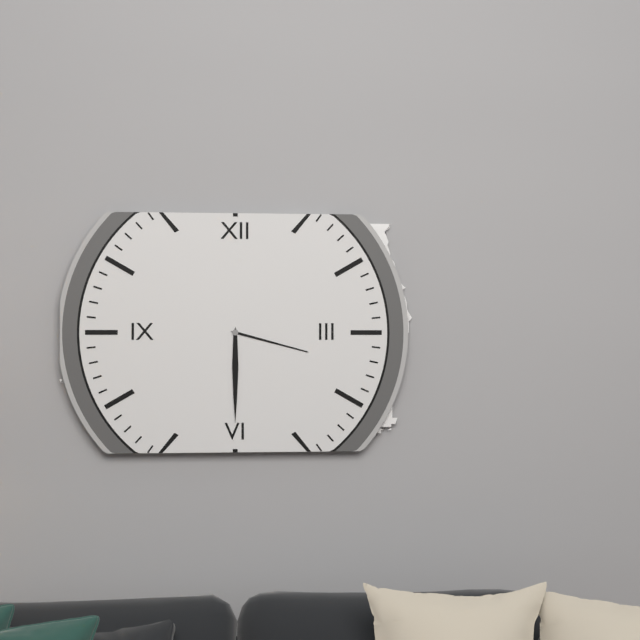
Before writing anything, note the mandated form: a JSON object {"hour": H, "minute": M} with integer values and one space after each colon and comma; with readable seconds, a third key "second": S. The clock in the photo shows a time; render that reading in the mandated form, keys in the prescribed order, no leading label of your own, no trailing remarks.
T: {"hour": 3, "minute": 30}
